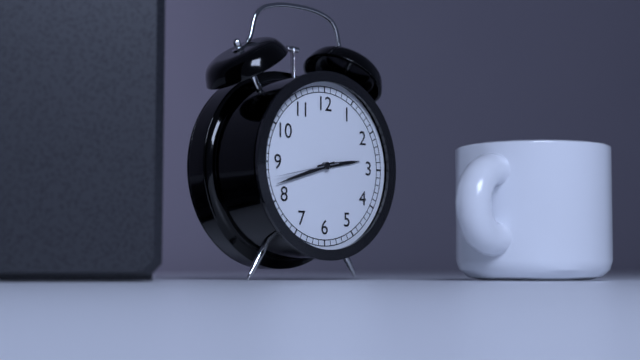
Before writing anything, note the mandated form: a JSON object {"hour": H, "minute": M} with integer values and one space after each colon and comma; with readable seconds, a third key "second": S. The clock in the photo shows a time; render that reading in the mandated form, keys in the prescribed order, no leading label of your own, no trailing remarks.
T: {"hour": 2, "minute": 42, "second": 43}
